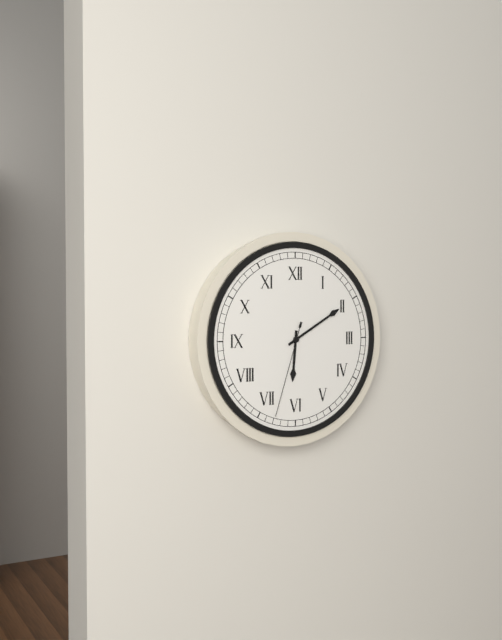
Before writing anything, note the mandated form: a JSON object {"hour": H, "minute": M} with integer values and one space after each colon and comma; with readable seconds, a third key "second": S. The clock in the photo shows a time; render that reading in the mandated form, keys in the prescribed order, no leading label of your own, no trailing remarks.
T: {"hour": 6, "minute": 10, "second": 33}
